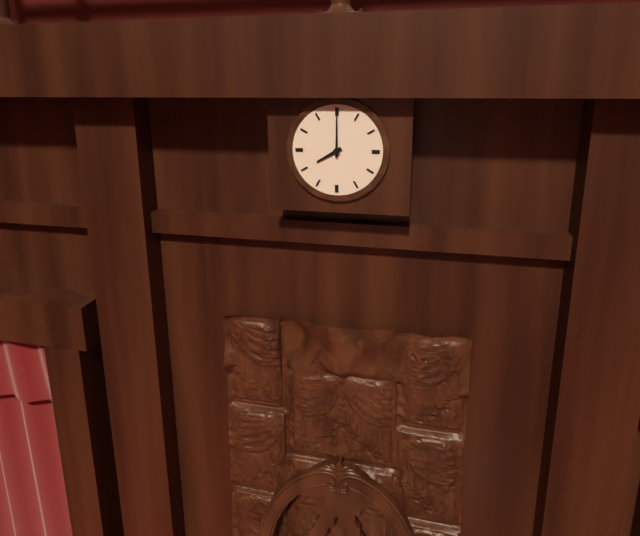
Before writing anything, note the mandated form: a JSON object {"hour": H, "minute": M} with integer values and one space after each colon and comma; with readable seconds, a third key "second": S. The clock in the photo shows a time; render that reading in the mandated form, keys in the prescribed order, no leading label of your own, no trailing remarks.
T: {"hour": 8, "minute": 0}
